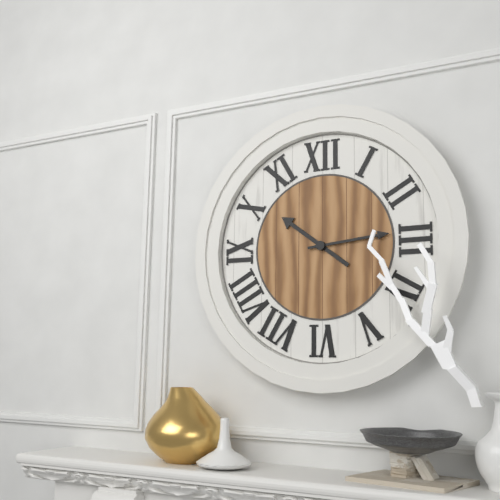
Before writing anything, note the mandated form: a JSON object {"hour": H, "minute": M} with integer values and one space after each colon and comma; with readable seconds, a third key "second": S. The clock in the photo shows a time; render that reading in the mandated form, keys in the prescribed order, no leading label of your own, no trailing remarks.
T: {"hour": 10, "minute": 14}
